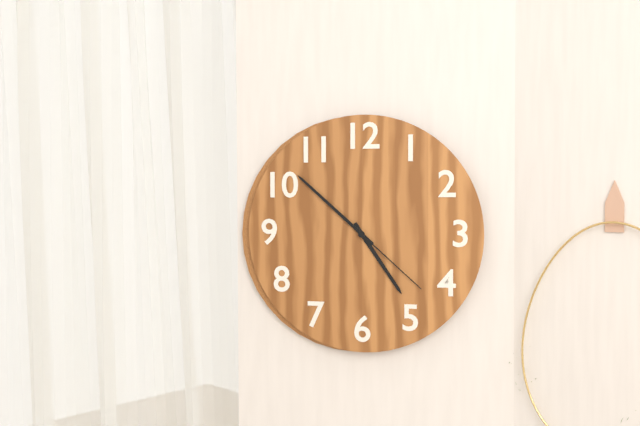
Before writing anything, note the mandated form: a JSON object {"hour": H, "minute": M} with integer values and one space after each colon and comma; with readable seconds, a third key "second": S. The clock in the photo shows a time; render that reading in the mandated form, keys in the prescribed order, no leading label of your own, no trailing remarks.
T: {"hour": 4, "minute": 52, "second": 22}
